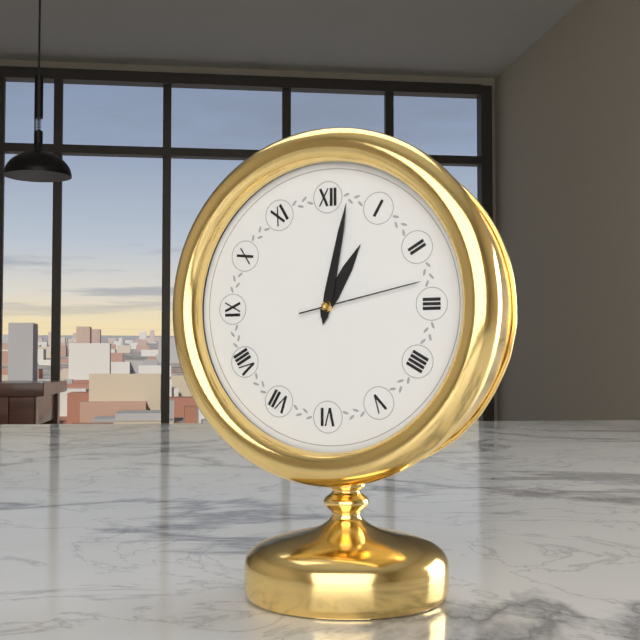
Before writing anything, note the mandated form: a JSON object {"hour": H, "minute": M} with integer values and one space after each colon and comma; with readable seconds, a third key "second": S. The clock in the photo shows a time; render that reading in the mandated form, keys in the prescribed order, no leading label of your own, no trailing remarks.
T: {"hour": 1, "minute": 2, "second": 13}
